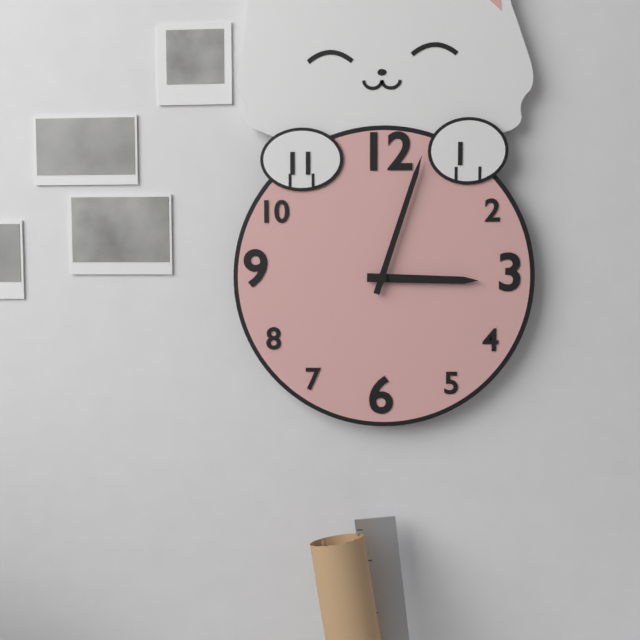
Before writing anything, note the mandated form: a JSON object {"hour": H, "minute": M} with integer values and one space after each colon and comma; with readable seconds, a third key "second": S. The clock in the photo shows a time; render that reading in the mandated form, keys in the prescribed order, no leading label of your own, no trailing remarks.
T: {"hour": 3, "minute": 3}
